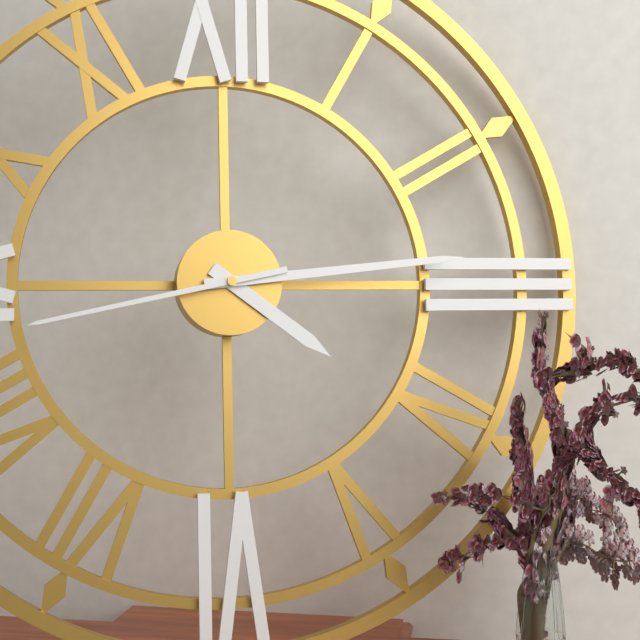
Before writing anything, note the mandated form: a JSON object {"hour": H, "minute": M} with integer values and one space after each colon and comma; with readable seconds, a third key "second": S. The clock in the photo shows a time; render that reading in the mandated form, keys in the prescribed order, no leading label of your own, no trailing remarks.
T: {"hour": 4, "minute": 14, "second": 43}
